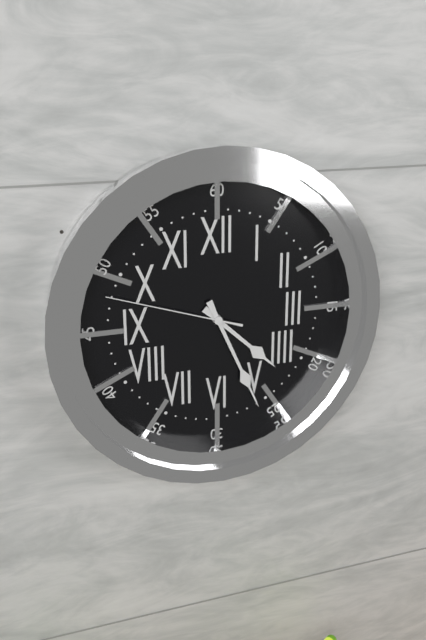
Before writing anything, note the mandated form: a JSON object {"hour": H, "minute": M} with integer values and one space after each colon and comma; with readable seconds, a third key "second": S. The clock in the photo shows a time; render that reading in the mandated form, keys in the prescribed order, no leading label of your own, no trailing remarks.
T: {"hour": 4, "minute": 26, "second": 48}
